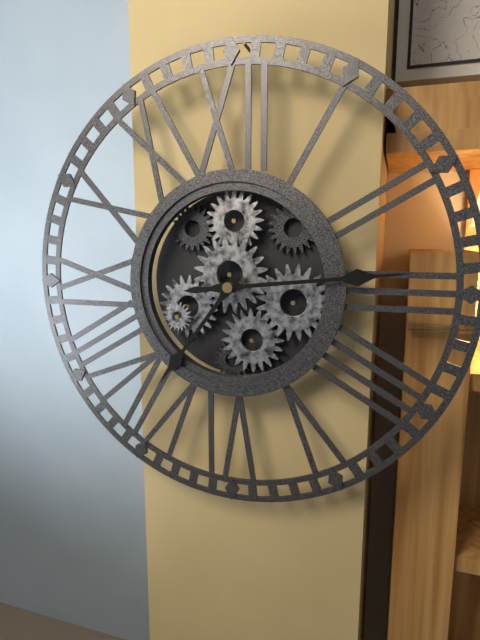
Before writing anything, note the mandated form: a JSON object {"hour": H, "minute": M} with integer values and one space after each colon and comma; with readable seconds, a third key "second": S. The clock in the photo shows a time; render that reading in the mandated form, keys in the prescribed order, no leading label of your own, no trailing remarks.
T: {"hour": 7, "minute": 14}
